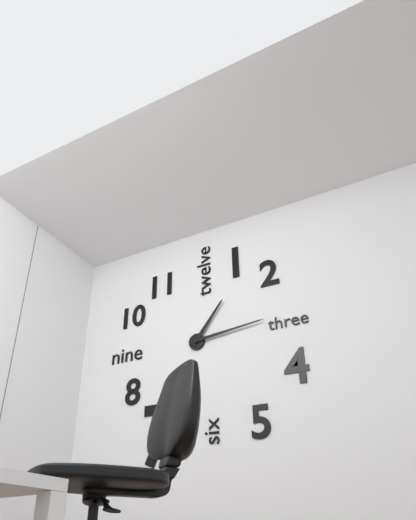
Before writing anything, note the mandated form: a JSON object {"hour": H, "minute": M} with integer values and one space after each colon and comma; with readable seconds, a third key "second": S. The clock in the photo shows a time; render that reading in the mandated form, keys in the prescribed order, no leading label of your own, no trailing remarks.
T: {"hour": 1, "minute": 14}
